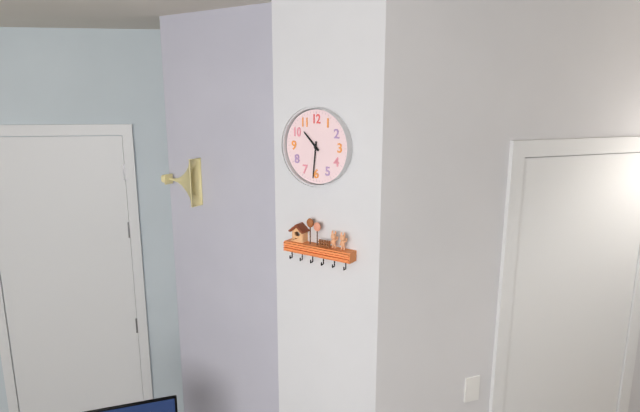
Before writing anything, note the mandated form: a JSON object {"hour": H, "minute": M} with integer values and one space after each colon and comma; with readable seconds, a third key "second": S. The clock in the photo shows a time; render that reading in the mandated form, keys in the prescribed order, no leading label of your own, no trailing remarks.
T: {"hour": 10, "minute": 31}
